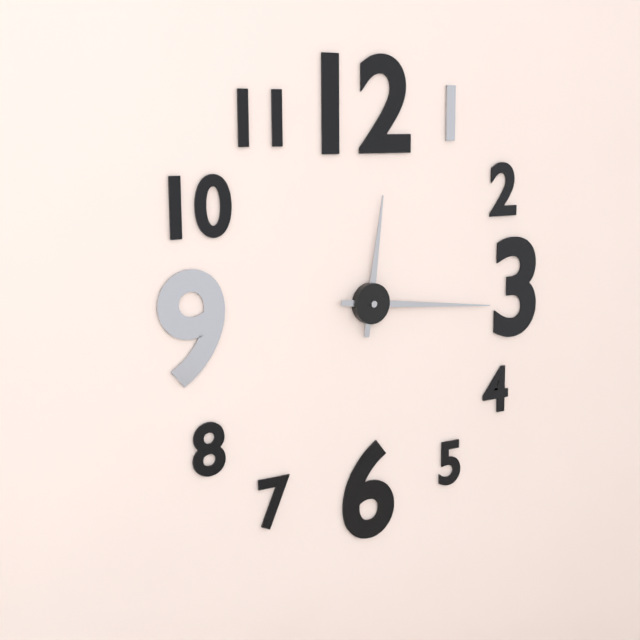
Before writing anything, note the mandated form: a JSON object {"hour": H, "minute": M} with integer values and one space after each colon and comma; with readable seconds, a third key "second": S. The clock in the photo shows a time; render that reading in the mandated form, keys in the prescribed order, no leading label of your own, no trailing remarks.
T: {"hour": 12, "minute": 16}
